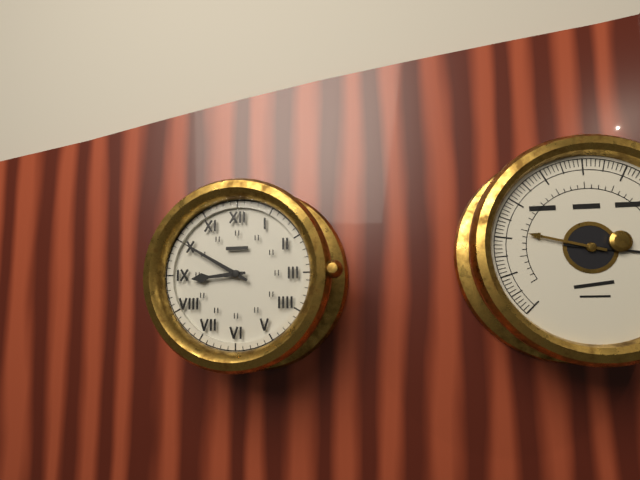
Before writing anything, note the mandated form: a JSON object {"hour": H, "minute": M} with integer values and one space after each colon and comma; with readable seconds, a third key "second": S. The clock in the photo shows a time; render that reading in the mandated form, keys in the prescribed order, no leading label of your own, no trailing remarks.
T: {"hour": 8, "minute": 50}
